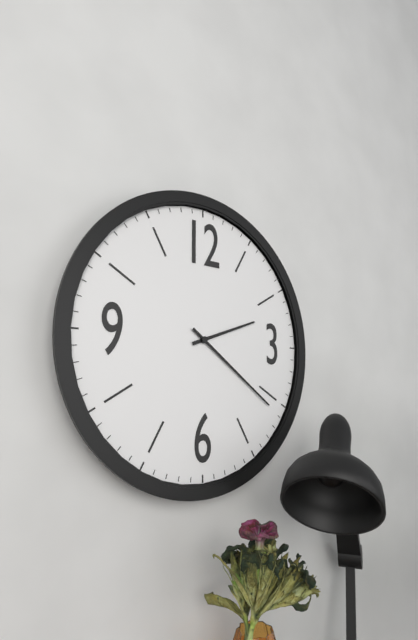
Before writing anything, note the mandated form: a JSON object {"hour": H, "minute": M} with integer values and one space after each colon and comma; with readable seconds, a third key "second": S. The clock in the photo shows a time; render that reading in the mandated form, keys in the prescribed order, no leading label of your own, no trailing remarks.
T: {"hour": 2, "minute": 21}
